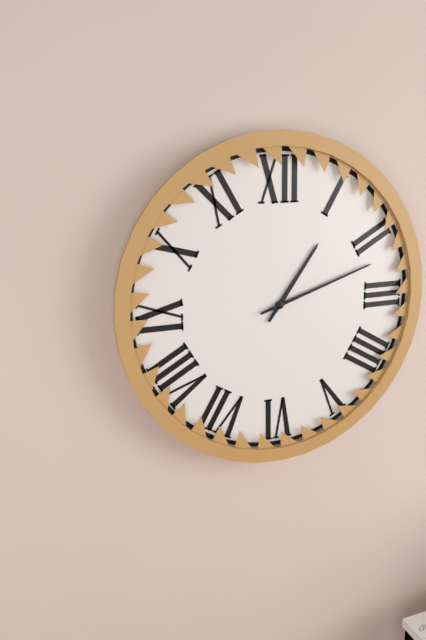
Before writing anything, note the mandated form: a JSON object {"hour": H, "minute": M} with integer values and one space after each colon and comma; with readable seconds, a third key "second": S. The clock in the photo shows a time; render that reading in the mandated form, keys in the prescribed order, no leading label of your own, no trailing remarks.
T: {"hour": 1, "minute": 12}
